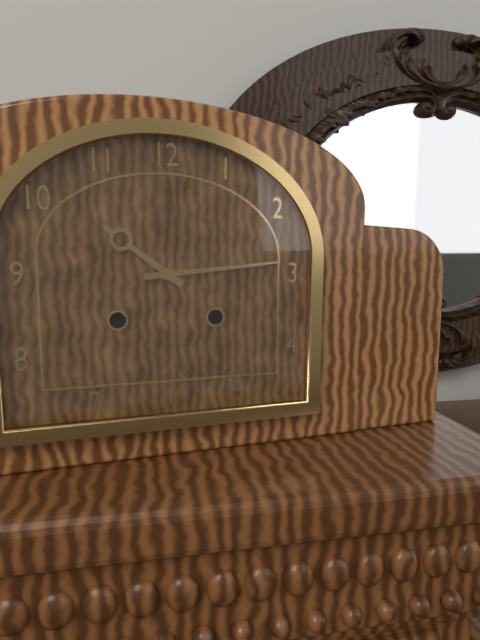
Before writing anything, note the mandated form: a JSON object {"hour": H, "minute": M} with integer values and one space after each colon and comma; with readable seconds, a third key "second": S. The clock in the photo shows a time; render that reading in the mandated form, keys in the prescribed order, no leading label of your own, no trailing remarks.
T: {"hour": 10, "minute": 14}
